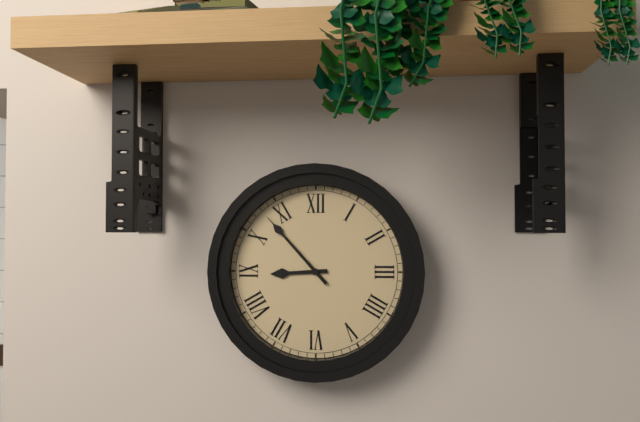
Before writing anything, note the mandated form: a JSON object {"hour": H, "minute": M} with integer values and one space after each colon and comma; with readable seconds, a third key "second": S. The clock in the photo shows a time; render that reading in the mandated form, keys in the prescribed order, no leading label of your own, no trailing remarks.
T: {"hour": 8, "minute": 53}
